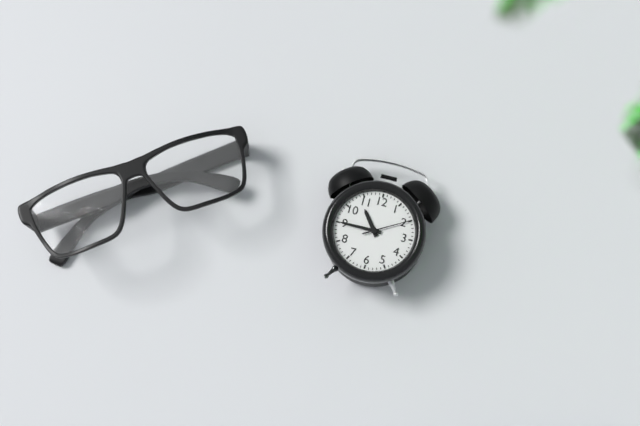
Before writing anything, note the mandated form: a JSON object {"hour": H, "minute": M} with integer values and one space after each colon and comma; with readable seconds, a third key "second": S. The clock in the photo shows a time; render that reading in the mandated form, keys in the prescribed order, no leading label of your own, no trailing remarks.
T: {"hour": 10, "minute": 45}
